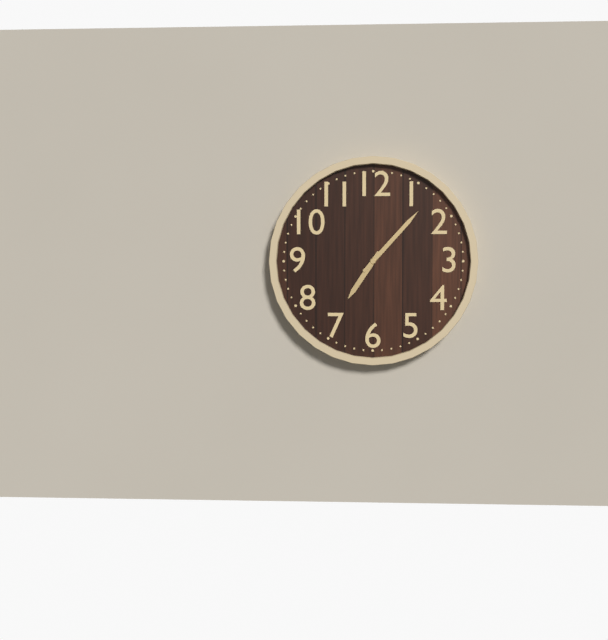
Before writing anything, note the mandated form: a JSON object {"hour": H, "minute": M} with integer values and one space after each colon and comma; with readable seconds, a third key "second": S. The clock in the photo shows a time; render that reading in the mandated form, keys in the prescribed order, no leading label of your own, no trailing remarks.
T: {"hour": 7, "minute": 7}
